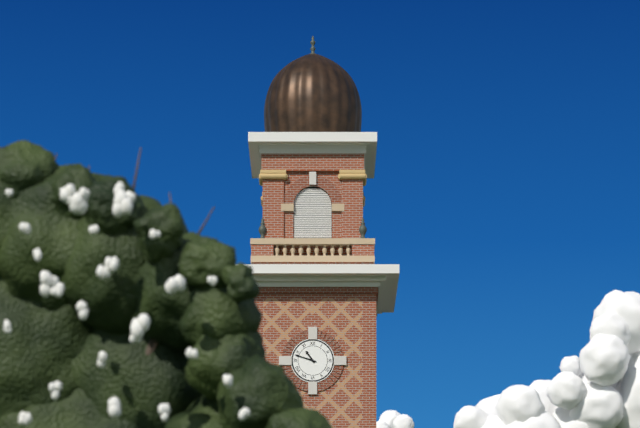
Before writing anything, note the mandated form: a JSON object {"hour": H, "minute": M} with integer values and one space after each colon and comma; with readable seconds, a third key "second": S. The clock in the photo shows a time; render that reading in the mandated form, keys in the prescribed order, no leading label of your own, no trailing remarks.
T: {"hour": 10, "minute": 48}
